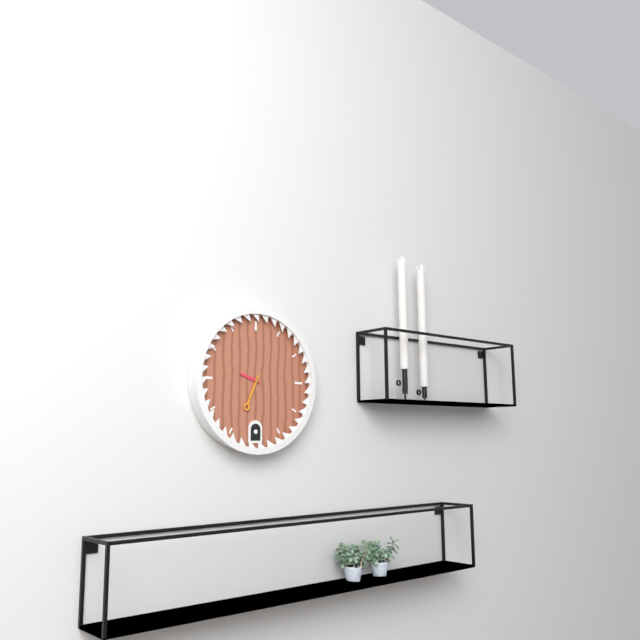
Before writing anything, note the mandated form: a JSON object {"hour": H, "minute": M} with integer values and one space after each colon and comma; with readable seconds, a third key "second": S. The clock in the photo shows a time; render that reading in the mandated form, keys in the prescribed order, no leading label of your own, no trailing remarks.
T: {"hour": 9, "minute": 34}
